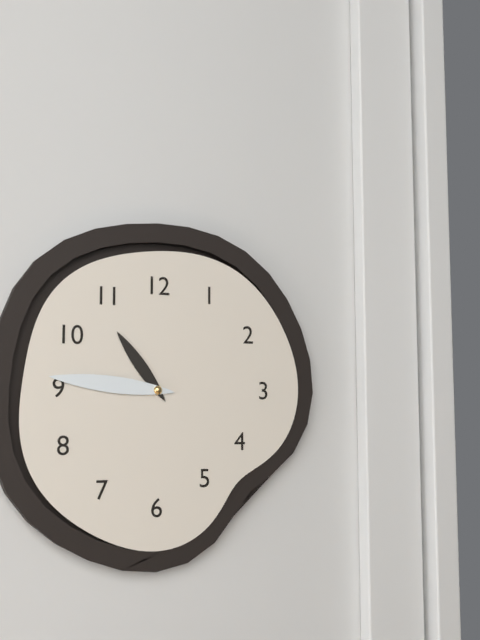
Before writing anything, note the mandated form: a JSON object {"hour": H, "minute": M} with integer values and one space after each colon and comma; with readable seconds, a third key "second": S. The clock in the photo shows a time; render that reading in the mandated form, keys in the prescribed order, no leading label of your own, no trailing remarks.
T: {"hour": 10, "minute": 46}
